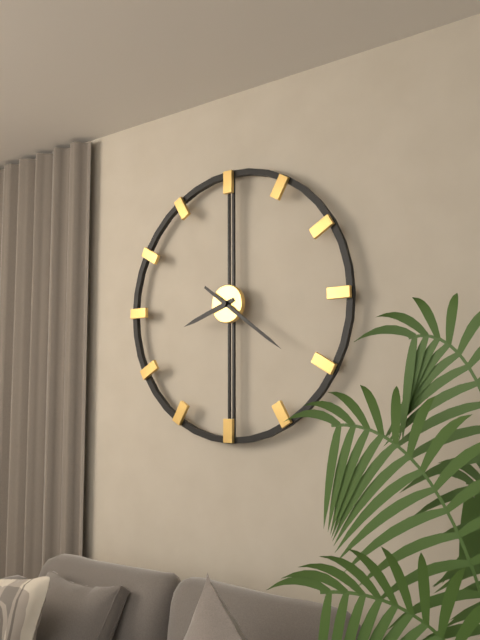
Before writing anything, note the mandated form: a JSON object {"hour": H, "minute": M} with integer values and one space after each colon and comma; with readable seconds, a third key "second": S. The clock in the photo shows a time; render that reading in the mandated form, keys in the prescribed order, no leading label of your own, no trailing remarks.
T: {"hour": 8, "minute": 21}
